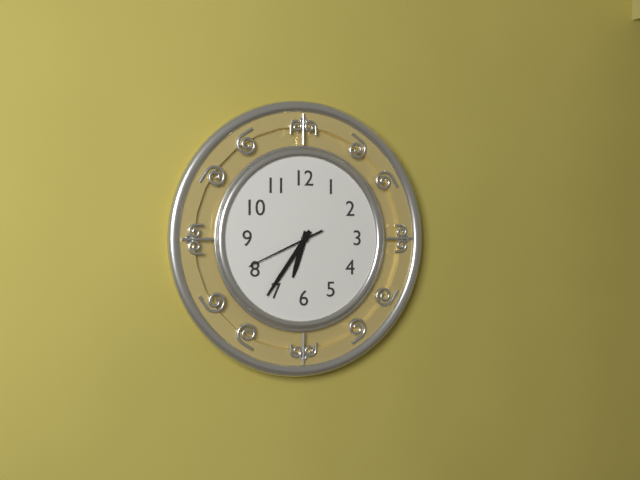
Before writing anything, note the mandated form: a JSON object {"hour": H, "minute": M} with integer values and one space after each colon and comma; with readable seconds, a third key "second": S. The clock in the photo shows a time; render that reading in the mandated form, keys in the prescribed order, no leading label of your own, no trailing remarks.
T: {"hour": 6, "minute": 36, "second": 41}
